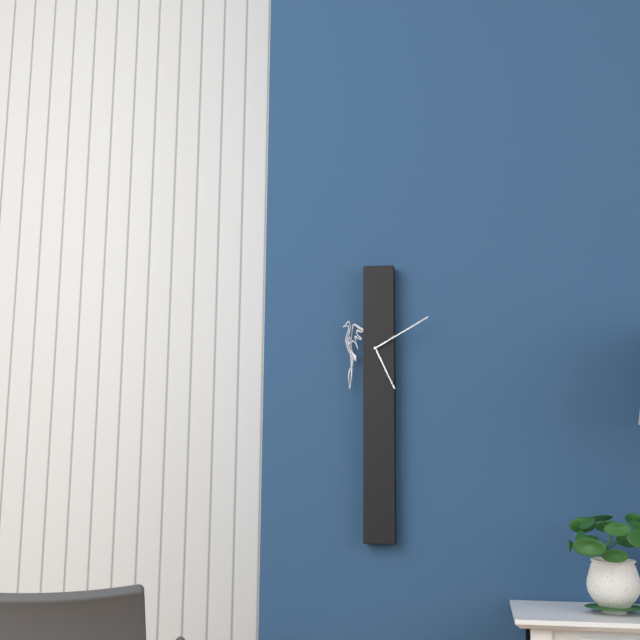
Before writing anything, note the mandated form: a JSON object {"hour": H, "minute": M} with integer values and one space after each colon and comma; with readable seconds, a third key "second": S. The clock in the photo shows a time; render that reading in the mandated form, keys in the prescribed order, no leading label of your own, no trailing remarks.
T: {"hour": 5, "minute": 10}
